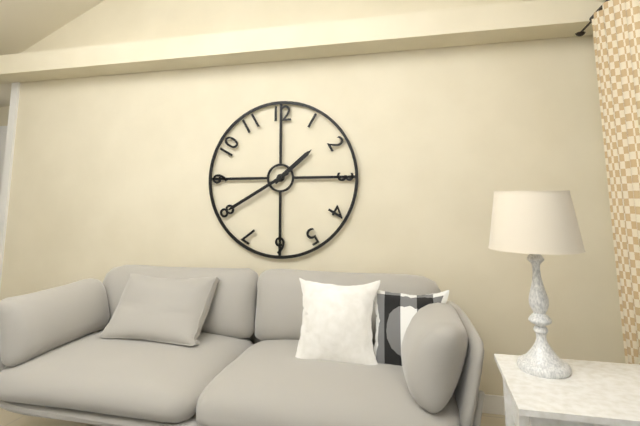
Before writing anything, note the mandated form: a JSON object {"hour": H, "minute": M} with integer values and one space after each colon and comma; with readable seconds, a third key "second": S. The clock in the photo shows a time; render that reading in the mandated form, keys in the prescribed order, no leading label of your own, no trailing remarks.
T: {"hour": 1, "minute": 40}
